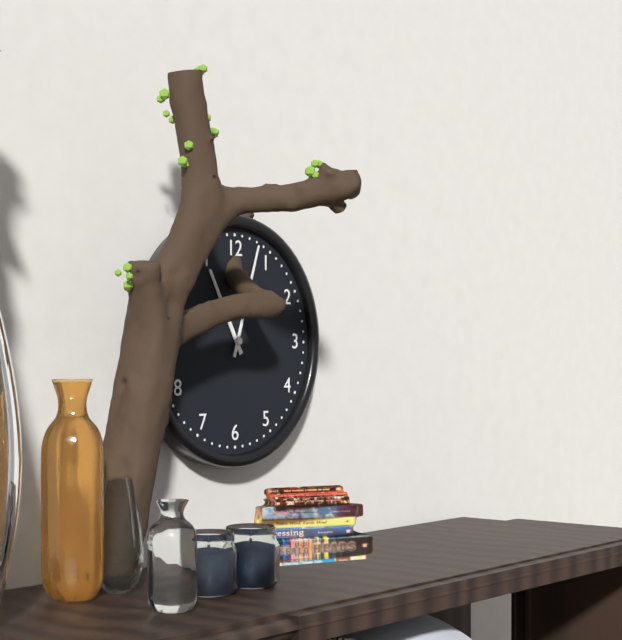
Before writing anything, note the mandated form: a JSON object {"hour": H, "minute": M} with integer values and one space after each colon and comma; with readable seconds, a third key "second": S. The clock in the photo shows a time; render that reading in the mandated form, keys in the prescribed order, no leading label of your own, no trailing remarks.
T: {"hour": 11, "minute": 3}
